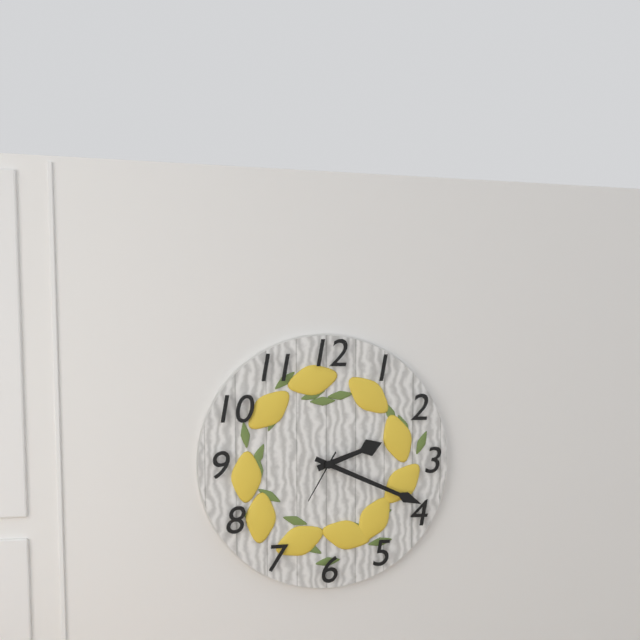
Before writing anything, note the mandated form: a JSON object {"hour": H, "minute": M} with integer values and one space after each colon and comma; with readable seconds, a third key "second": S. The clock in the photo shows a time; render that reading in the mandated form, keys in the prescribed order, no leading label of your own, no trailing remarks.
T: {"hour": 2, "minute": 19, "second": 35}
